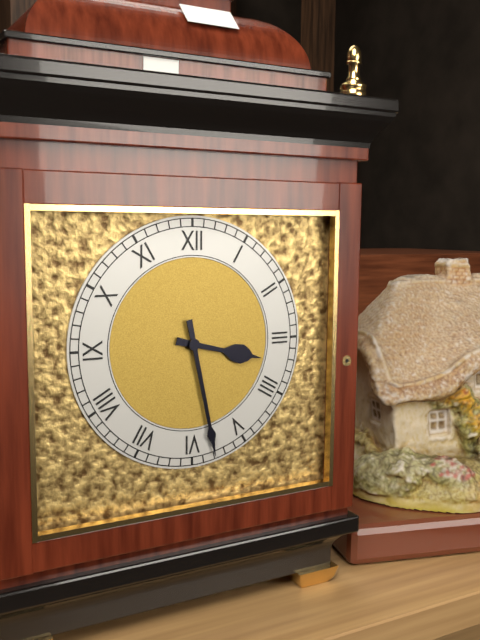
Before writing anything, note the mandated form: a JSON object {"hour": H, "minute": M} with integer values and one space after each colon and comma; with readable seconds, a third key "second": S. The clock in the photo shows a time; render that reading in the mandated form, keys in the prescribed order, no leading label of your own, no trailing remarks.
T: {"hour": 3, "minute": 28}
